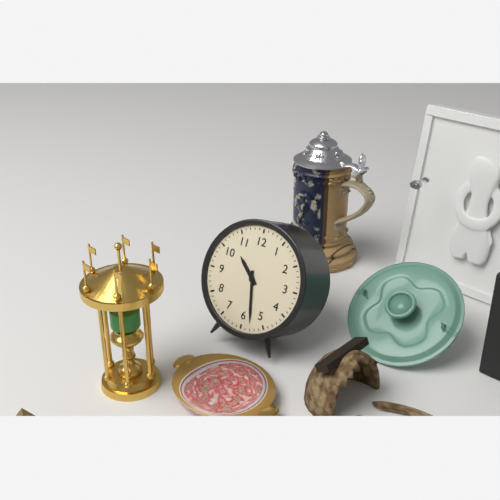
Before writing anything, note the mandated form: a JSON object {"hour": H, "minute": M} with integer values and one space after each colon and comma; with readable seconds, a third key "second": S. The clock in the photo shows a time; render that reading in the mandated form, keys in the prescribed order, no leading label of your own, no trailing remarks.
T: {"hour": 10, "minute": 28}
